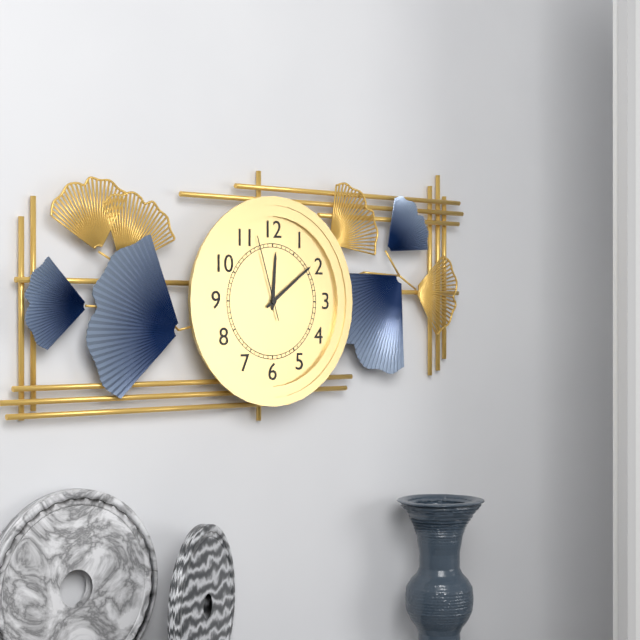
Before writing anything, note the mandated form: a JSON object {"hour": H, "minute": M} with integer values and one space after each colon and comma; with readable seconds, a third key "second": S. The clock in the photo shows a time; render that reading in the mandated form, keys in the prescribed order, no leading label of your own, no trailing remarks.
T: {"hour": 12, "minute": 9, "second": 57}
